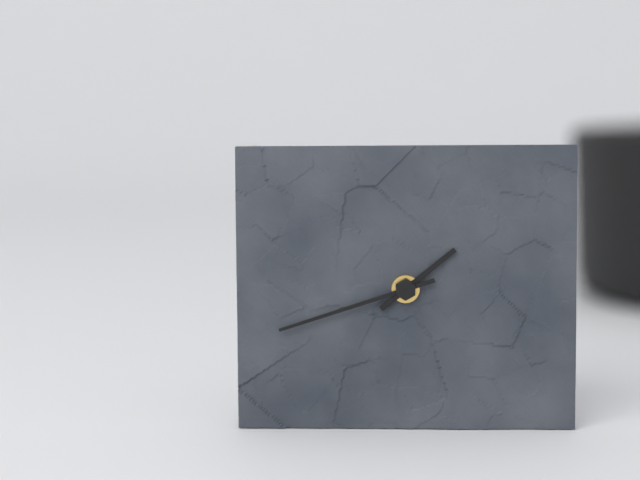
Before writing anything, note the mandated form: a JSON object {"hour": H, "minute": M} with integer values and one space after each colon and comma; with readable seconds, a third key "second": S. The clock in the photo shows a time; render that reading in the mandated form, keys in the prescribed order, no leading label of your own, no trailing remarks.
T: {"hour": 1, "minute": 42}
